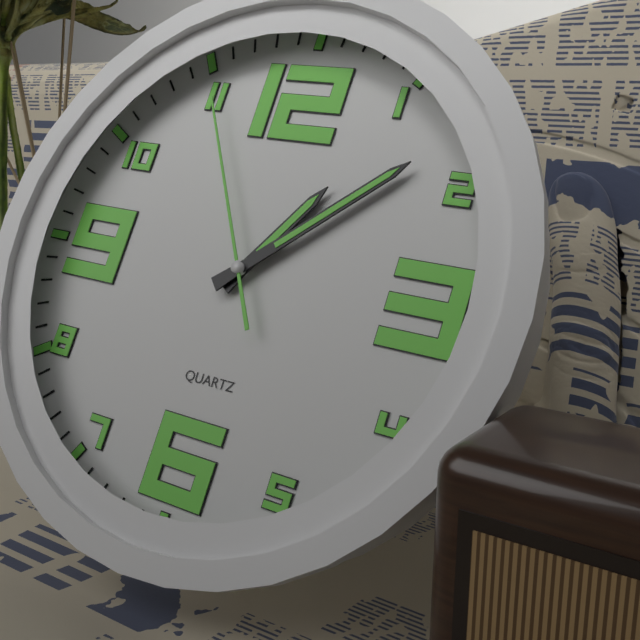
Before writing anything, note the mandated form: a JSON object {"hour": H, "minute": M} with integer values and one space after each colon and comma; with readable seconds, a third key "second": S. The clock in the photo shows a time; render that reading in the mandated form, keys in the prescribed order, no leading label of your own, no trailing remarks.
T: {"hour": 1, "minute": 8, "second": 55}
